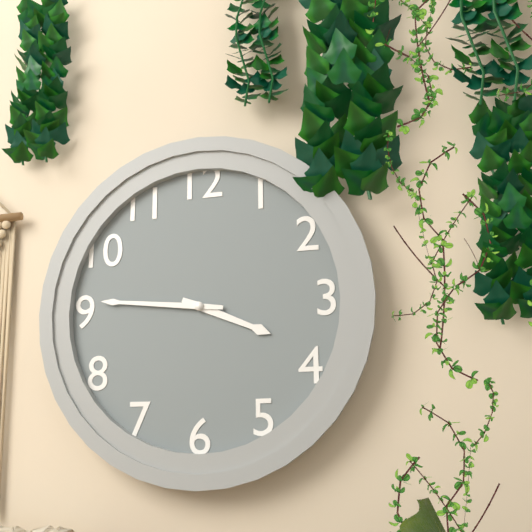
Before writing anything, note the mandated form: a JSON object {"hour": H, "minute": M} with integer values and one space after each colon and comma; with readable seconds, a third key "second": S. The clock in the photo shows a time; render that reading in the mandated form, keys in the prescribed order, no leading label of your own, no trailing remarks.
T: {"hour": 3, "minute": 46}
